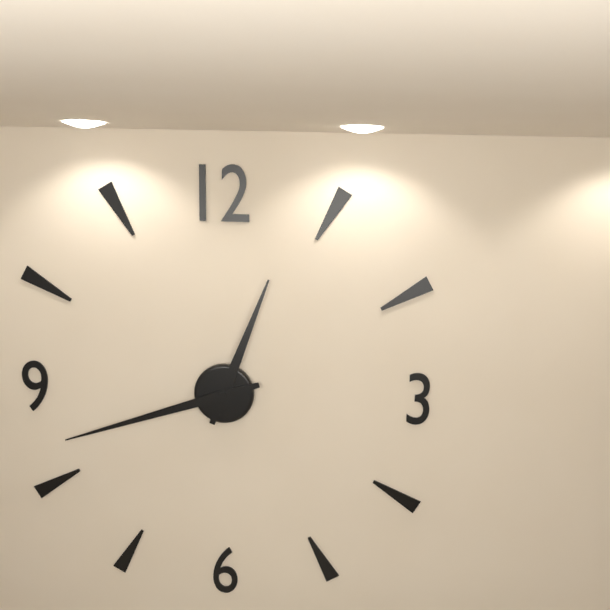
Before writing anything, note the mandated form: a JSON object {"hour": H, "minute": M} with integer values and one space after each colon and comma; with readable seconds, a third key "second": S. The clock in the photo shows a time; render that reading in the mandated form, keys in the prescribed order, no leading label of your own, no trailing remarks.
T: {"hour": 12, "minute": 42}
